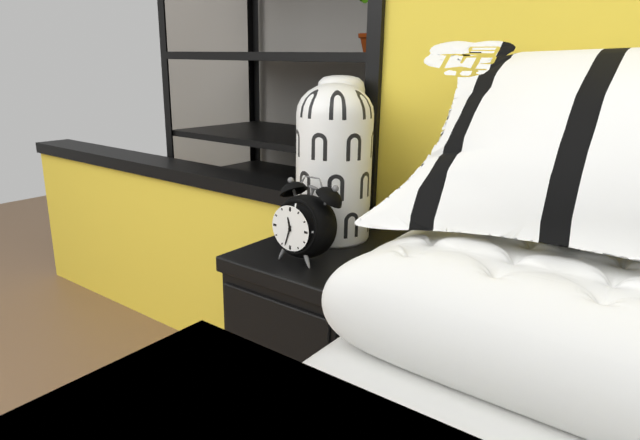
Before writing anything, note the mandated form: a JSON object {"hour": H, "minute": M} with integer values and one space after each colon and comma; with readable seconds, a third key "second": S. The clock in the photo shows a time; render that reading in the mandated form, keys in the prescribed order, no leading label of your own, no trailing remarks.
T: {"hour": 11, "minute": 33}
